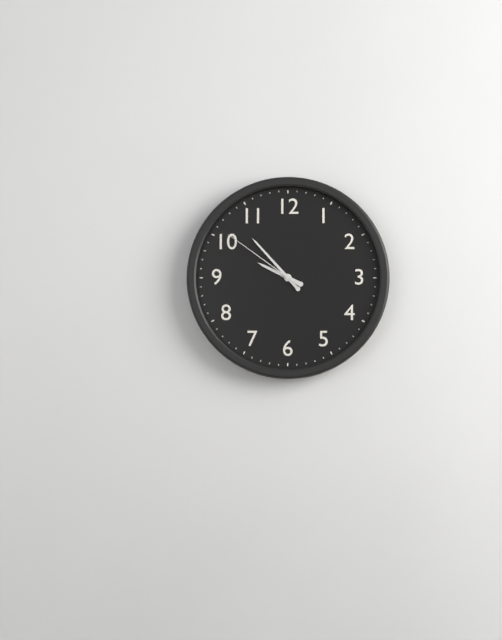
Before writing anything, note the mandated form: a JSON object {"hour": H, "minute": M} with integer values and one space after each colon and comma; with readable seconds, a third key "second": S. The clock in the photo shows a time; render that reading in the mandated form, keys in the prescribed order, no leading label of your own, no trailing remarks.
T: {"hour": 9, "minute": 53, "second": 51}
